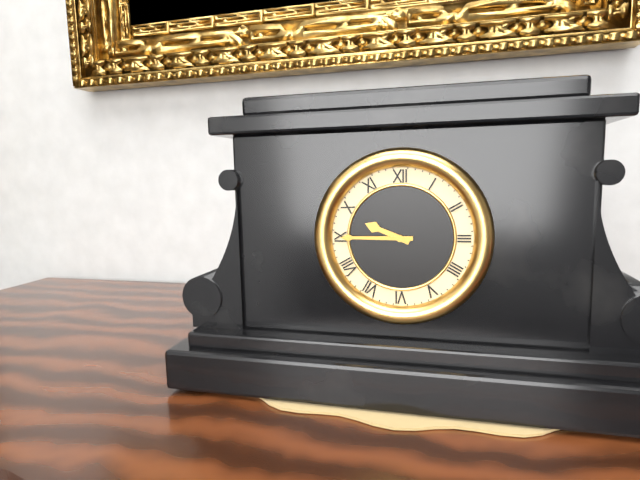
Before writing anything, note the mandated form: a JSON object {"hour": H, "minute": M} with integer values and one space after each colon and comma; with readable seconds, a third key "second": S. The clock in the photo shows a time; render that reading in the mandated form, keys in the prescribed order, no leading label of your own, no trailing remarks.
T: {"hour": 9, "minute": 45}
